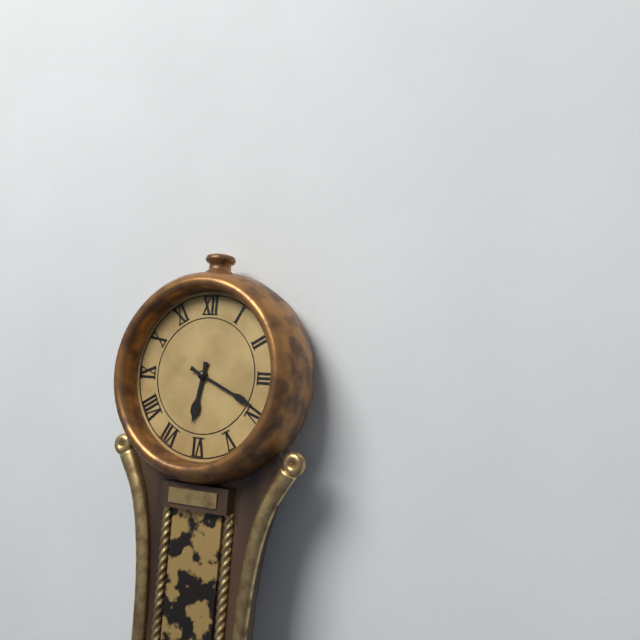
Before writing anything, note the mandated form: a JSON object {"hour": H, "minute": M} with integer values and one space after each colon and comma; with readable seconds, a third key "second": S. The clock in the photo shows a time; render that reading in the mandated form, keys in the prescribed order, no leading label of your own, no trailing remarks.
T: {"hour": 6, "minute": 19}
